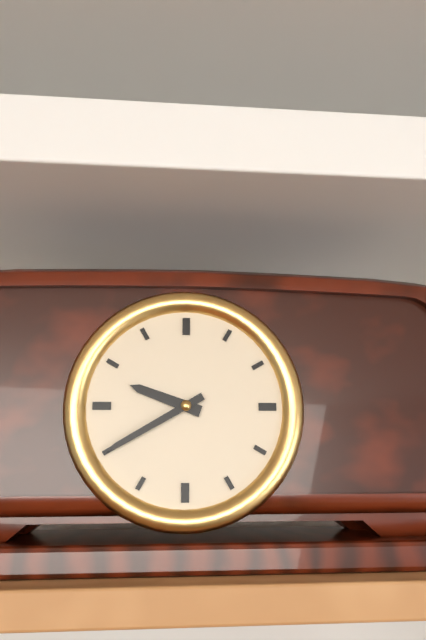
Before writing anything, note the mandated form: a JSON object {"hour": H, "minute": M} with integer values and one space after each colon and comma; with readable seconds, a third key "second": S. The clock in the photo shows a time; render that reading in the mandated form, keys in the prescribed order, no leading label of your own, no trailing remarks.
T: {"hour": 9, "minute": 40}
